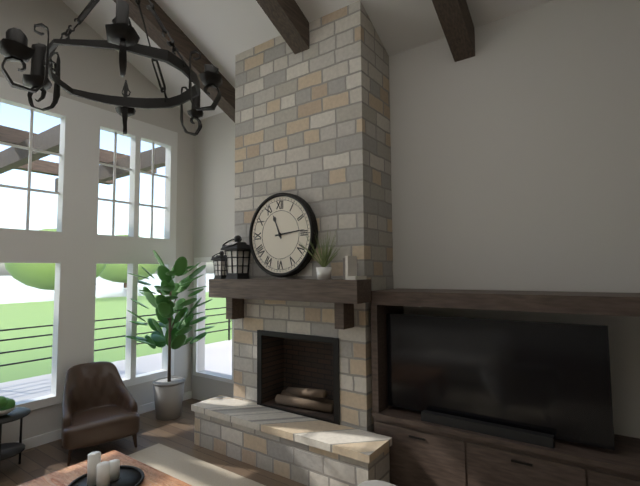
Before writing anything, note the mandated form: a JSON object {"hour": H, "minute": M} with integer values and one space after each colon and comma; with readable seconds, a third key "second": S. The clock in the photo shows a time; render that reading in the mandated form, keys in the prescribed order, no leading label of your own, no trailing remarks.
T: {"hour": 11, "minute": 14}
